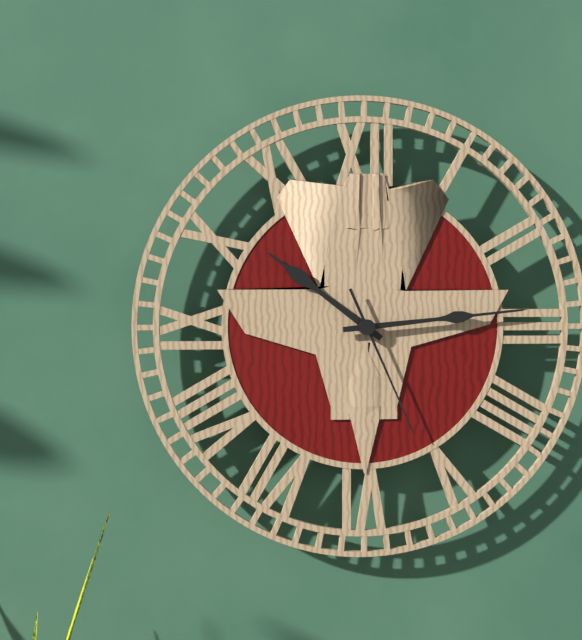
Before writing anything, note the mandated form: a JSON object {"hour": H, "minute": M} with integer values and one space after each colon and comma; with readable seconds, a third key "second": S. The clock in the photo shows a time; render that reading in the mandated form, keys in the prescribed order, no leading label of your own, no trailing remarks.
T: {"hour": 10, "minute": 14, "second": 26}
